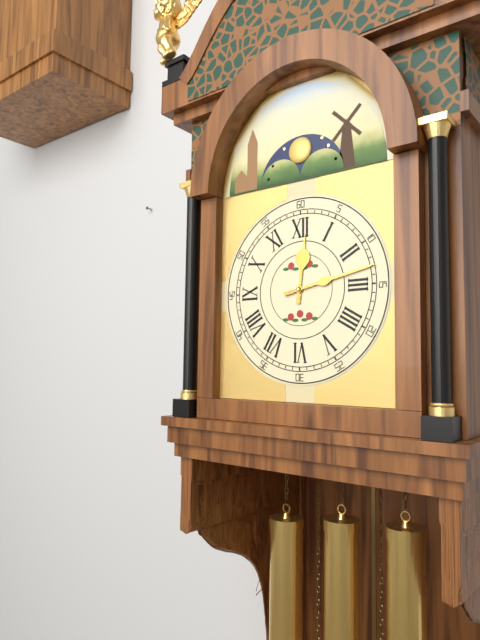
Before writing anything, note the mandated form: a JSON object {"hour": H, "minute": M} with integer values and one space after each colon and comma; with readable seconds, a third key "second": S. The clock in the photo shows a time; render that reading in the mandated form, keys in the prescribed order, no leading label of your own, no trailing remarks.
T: {"hour": 12, "minute": 13}
